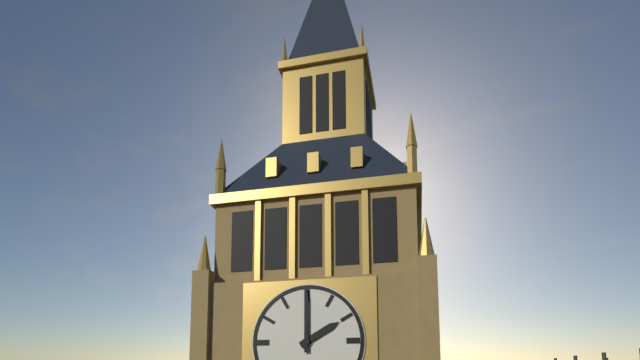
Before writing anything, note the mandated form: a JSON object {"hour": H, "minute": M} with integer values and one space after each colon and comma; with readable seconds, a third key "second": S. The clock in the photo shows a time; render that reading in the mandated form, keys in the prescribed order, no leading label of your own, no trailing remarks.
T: {"hour": 2, "minute": 0}
